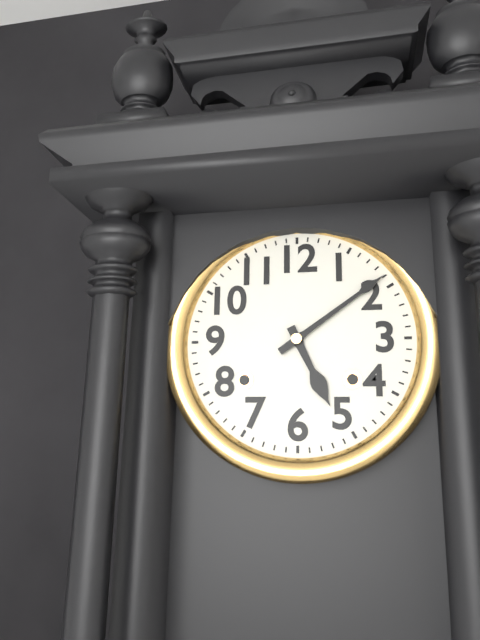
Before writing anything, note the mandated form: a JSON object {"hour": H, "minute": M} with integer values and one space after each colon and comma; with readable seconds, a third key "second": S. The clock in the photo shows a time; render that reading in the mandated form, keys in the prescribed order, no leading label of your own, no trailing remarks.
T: {"hour": 5, "minute": 9}
